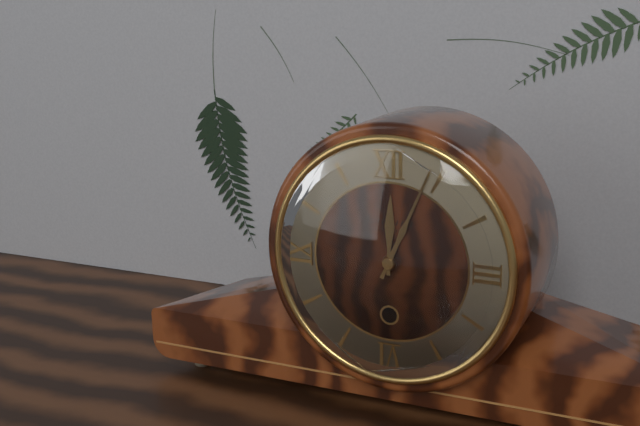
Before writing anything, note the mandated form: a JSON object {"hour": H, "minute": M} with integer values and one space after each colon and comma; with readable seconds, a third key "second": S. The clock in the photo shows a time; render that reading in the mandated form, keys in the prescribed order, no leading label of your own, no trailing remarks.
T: {"hour": 12, "minute": 4}
